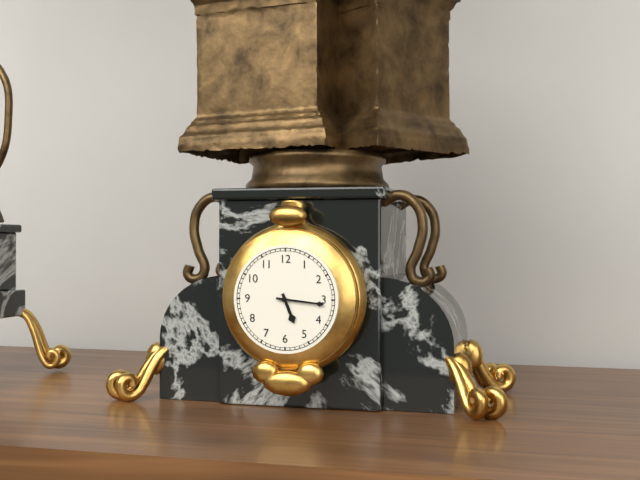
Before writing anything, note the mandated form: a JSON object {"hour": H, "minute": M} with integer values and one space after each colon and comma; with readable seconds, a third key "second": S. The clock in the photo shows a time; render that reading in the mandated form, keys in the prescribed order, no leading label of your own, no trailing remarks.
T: {"hour": 5, "minute": 16}
